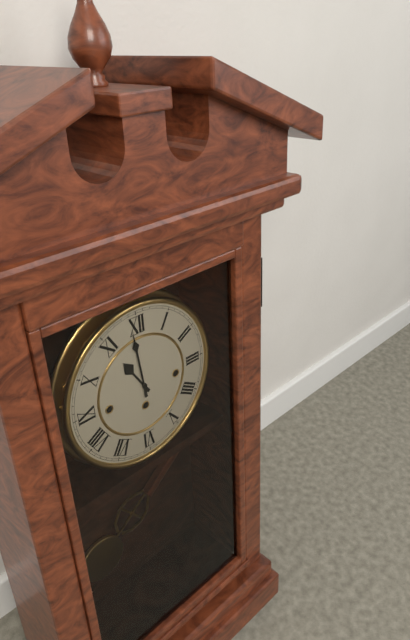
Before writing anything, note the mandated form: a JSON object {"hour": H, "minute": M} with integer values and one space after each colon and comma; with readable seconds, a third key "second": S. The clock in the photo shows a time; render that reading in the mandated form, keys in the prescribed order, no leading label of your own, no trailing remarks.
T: {"hour": 10, "minute": 59}
